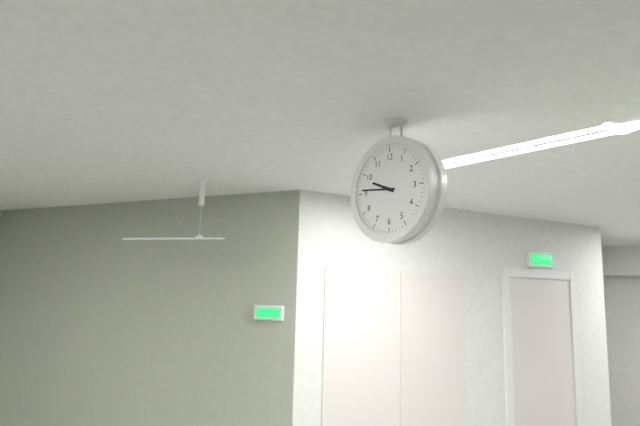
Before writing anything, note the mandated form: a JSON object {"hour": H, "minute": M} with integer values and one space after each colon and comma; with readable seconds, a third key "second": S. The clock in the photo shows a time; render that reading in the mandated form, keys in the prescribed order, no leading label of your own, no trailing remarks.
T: {"hour": 9, "minute": 46}
